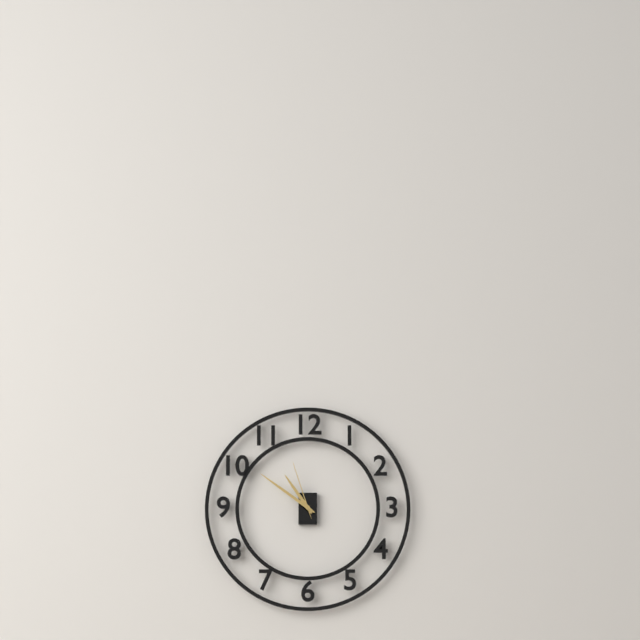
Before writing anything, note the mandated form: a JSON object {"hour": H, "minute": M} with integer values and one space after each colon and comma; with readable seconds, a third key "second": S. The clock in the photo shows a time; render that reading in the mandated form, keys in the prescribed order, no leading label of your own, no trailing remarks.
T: {"hour": 10, "minute": 51, "second": 57}
